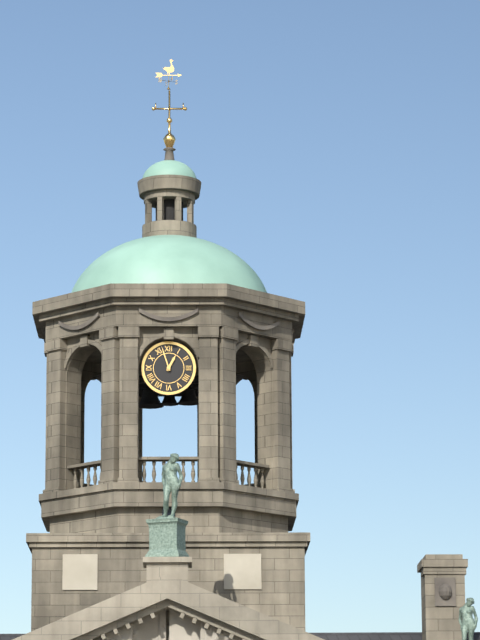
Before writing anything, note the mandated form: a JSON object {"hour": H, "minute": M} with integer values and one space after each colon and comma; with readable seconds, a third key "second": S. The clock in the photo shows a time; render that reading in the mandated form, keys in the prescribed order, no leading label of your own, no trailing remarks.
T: {"hour": 12, "minute": 57}
